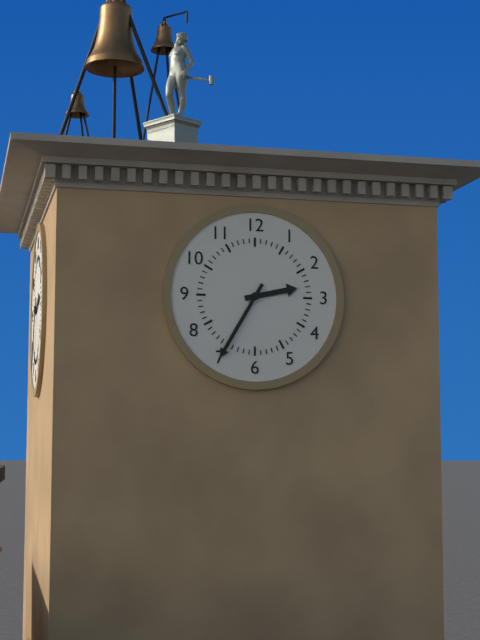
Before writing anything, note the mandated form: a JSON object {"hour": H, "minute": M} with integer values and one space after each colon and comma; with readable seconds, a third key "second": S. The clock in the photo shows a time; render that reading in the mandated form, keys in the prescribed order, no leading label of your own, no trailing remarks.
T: {"hour": 2, "minute": 35}
